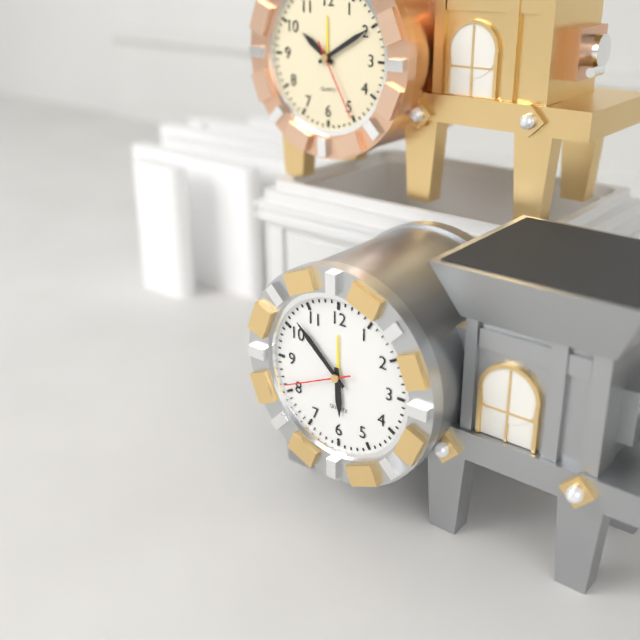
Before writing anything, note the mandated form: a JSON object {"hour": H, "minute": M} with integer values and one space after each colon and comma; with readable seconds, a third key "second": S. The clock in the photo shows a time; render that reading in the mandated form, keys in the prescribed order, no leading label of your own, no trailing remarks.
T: {"hour": 5, "minute": 52, "second": 41}
